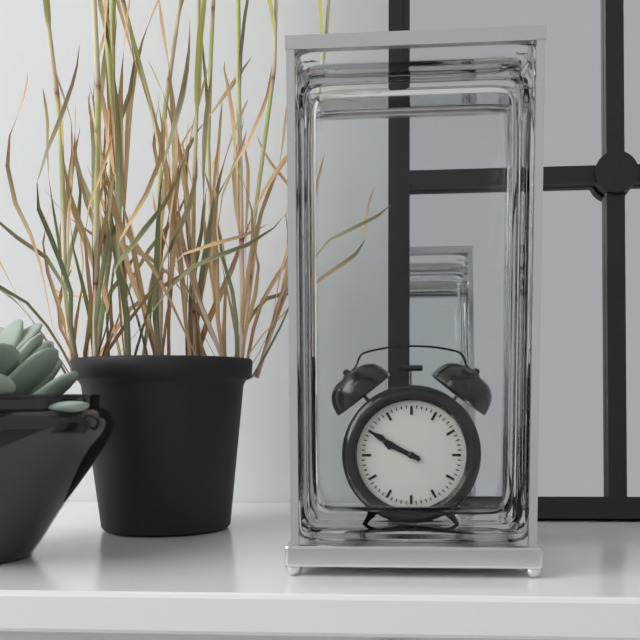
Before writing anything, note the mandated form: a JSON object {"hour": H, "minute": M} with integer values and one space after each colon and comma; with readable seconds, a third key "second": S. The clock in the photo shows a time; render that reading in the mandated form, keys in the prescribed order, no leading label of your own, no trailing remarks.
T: {"hour": 9, "minute": 50}
